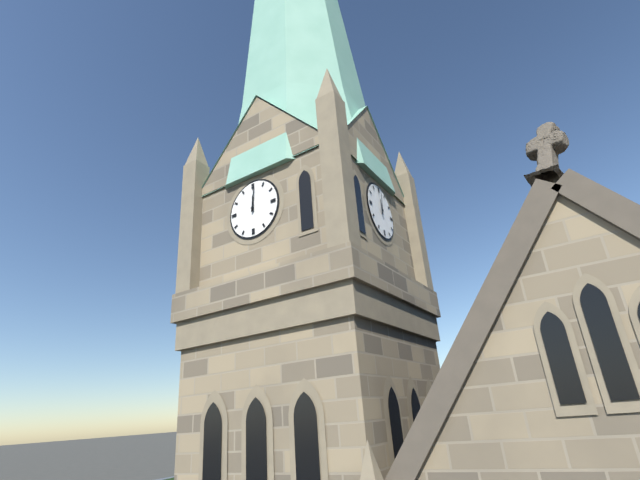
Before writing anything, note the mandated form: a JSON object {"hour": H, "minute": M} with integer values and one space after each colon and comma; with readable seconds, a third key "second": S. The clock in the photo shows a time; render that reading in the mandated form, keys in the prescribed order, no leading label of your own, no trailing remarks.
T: {"hour": 12, "minute": 1}
